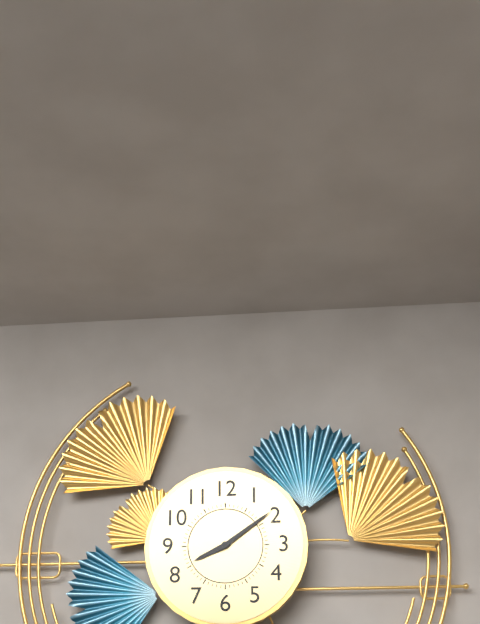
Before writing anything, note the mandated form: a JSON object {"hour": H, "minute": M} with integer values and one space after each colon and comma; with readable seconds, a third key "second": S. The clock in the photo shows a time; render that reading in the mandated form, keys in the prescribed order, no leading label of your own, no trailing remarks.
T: {"hour": 8, "minute": 9}
